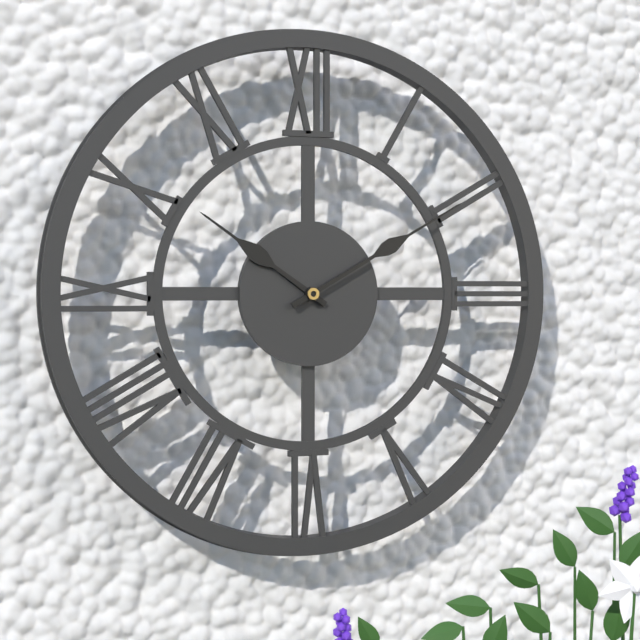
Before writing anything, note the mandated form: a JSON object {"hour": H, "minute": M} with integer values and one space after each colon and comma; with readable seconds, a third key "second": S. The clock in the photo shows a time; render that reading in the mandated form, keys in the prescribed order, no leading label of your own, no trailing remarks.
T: {"hour": 10, "minute": 10}
